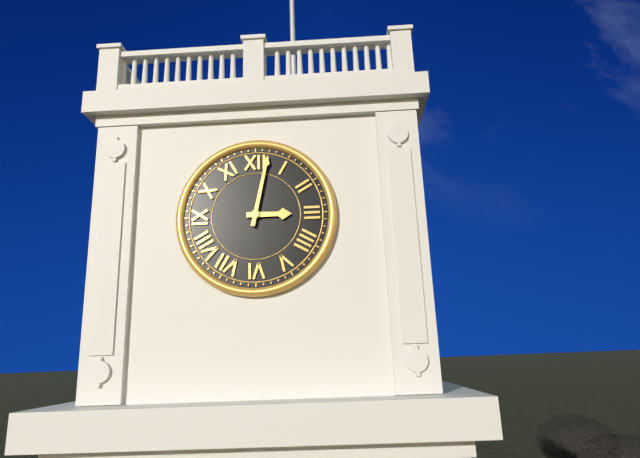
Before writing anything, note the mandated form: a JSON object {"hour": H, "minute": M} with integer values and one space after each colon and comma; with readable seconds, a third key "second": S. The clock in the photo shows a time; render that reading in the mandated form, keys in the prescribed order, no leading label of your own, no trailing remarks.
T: {"hour": 3, "minute": 2}
